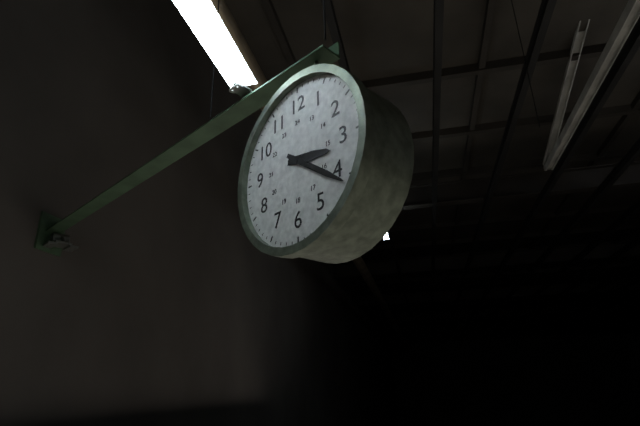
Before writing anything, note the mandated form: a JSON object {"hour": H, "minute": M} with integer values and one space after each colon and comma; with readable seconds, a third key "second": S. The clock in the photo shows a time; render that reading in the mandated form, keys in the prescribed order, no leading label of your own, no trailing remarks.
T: {"hour": 3, "minute": 21}
